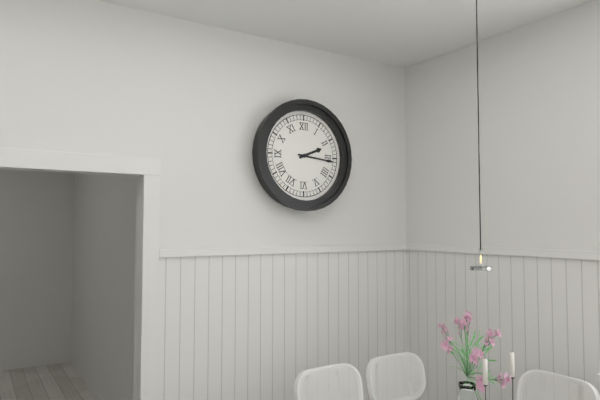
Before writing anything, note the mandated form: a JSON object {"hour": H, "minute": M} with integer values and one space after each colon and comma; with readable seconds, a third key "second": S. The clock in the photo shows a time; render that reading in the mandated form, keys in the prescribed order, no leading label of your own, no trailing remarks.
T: {"hour": 2, "minute": 16}
